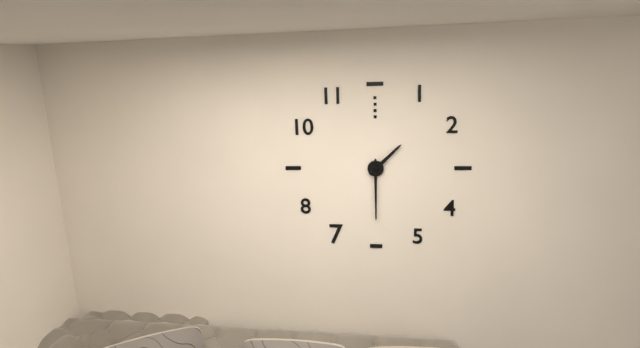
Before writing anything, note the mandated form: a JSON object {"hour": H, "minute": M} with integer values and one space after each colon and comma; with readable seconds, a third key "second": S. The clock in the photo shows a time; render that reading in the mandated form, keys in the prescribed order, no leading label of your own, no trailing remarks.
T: {"hour": 1, "minute": 30}
